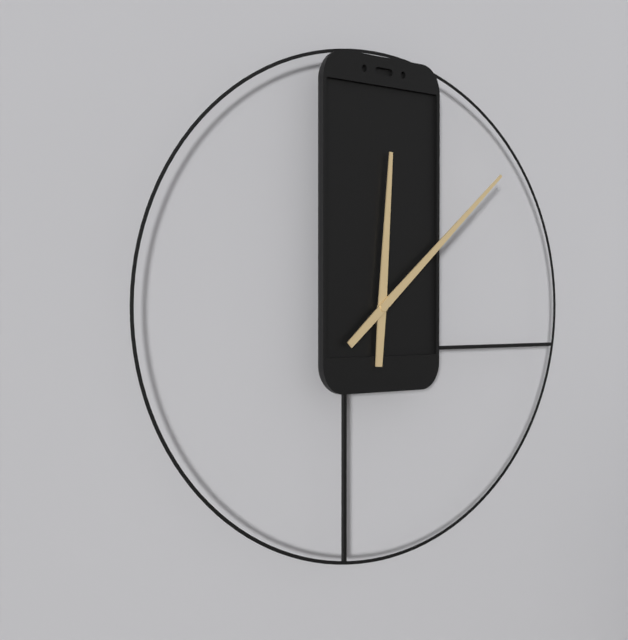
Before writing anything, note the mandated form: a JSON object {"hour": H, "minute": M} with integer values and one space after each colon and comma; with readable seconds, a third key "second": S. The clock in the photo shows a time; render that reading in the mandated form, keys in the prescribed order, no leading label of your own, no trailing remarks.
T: {"hour": 12, "minute": 8}
